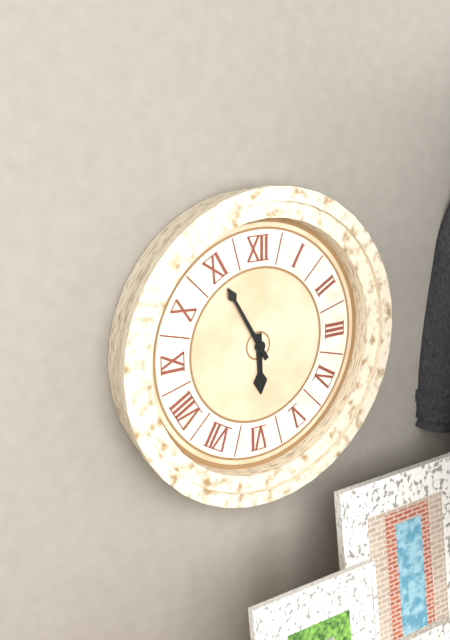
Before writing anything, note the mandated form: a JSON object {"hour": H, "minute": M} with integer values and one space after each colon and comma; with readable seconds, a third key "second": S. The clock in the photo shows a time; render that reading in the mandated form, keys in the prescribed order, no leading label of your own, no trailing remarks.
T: {"hour": 5, "minute": 55}
